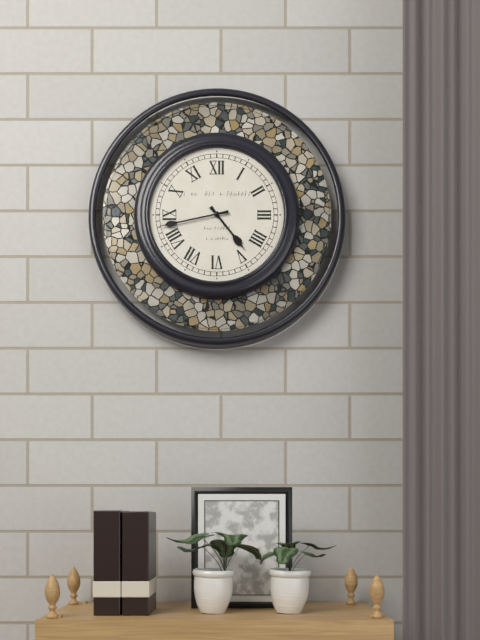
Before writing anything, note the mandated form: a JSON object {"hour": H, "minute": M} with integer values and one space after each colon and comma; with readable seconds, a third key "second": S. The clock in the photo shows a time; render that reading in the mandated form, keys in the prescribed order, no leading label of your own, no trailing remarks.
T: {"hour": 4, "minute": 43}
